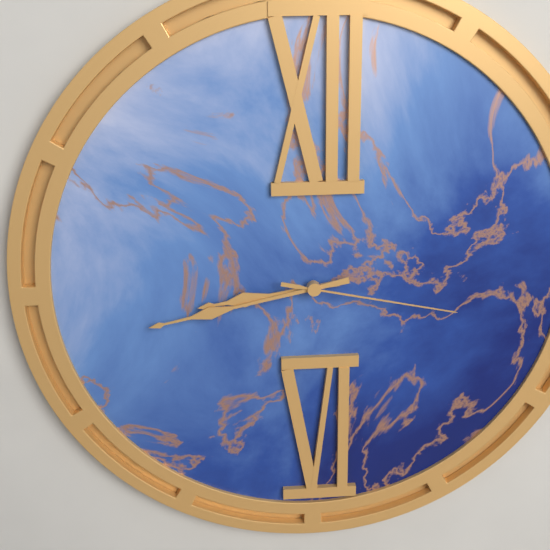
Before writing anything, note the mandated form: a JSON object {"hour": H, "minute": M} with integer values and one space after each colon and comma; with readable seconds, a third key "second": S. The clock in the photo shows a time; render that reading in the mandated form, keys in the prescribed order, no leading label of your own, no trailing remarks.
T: {"hour": 8, "minute": 43, "second": 17}
